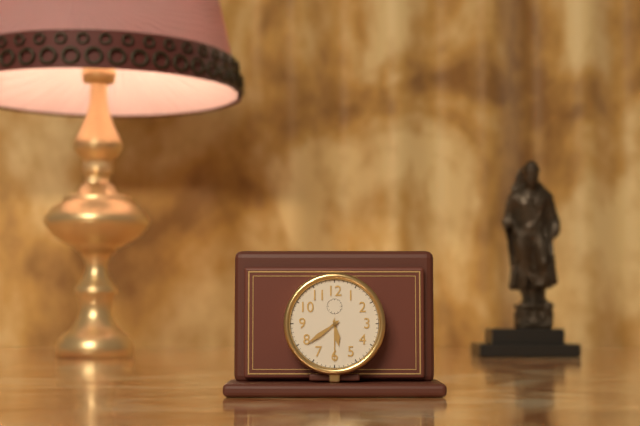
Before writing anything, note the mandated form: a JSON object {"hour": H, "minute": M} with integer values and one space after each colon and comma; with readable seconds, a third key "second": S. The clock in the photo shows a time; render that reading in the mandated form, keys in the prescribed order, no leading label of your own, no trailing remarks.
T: {"hour": 5, "minute": 39}
